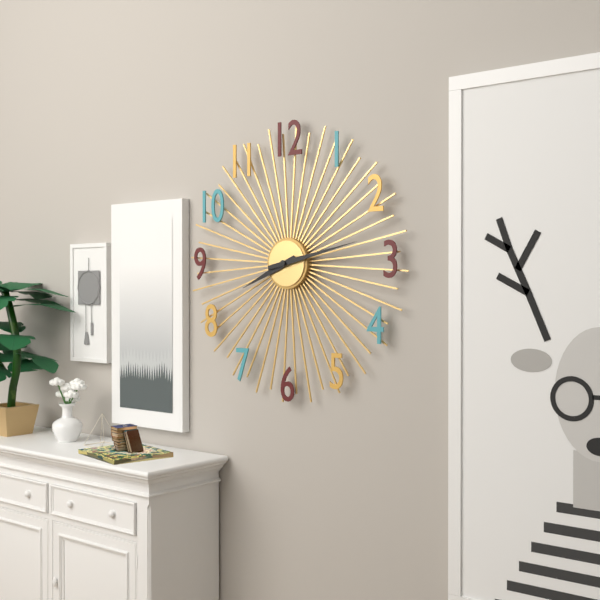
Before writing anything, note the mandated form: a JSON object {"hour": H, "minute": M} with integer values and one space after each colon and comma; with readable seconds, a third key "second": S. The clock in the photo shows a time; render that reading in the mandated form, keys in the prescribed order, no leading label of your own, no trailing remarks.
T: {"hour": 8, "minute": 13}
